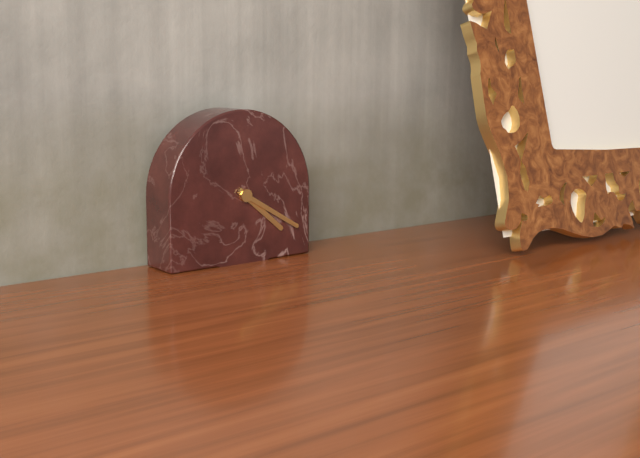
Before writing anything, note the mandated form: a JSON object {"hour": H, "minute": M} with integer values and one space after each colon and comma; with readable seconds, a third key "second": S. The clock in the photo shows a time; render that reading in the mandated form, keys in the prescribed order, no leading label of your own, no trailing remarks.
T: {"hour": 4, "minute": 20}
